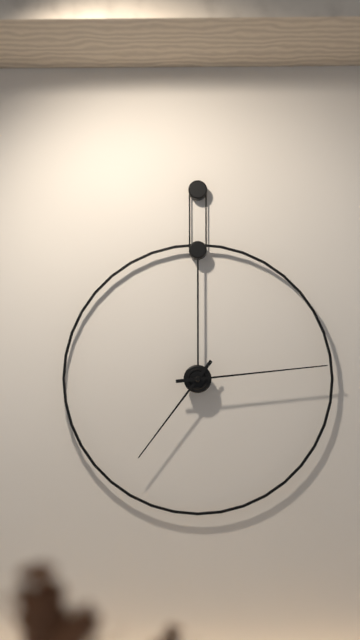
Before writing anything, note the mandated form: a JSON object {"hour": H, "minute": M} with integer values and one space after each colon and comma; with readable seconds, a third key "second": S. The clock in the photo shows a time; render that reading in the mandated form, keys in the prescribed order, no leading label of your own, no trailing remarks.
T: {"hour": 7, "minute": 14}
